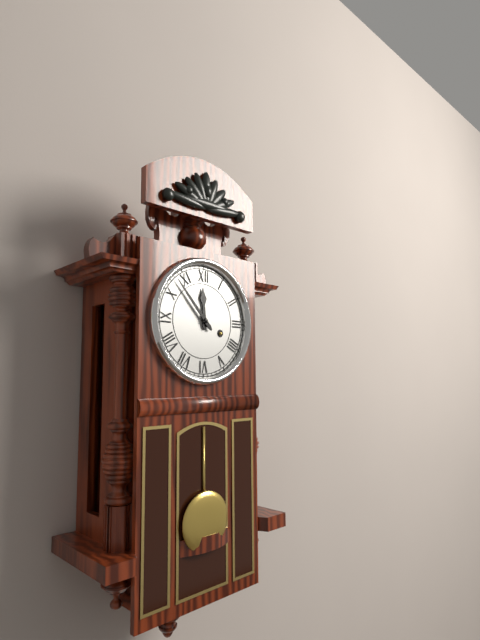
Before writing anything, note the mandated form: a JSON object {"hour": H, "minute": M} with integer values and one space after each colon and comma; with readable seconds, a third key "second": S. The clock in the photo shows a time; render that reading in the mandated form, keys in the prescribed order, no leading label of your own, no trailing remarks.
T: {"hour": 11, "minute": 53}
